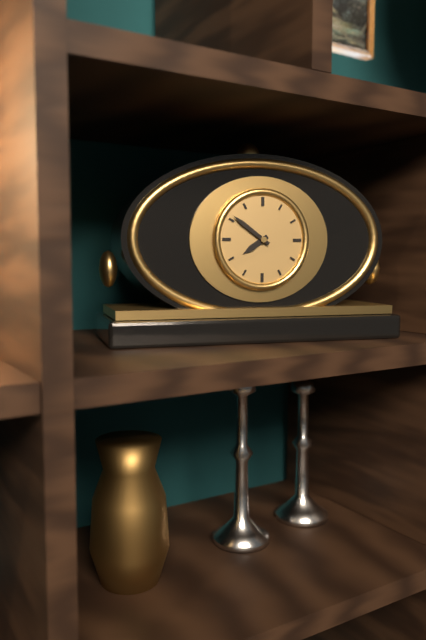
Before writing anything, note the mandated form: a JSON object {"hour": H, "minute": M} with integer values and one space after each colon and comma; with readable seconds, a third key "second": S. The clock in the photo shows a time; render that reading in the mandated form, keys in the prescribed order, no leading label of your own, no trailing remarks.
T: {"hour": 7, "minute": 51}
